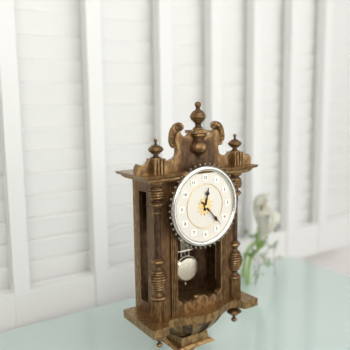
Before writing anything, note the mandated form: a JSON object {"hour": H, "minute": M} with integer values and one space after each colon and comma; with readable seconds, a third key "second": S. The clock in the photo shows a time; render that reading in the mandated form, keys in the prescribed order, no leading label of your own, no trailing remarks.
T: {"hour": 12, "minute": 23}
